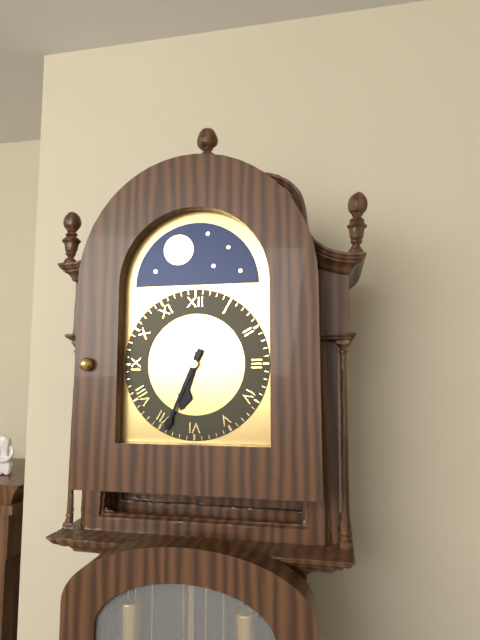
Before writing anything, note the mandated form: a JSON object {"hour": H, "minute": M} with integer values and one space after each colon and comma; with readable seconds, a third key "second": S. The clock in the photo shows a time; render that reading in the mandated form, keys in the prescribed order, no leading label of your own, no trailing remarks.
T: {"hour": 6, "minute": 34}
